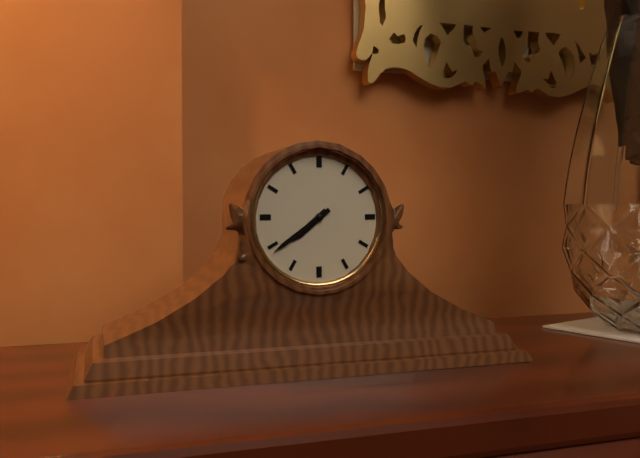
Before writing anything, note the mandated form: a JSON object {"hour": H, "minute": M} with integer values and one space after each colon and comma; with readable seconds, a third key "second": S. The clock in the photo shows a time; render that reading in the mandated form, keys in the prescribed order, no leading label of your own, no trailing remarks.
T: {"hour": 7, "minute": 39}
